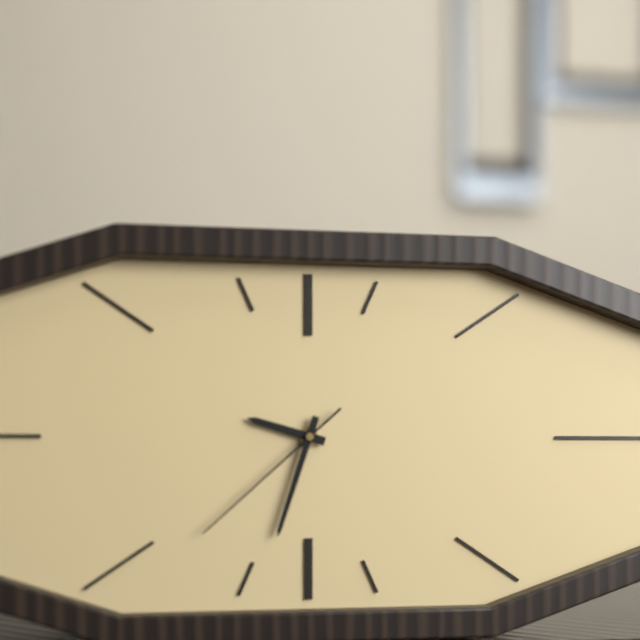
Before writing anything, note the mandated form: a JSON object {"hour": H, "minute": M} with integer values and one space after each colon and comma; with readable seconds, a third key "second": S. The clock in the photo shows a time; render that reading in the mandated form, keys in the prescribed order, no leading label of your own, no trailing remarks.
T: {"hour": 9, "minute": 33, "second": 38}
